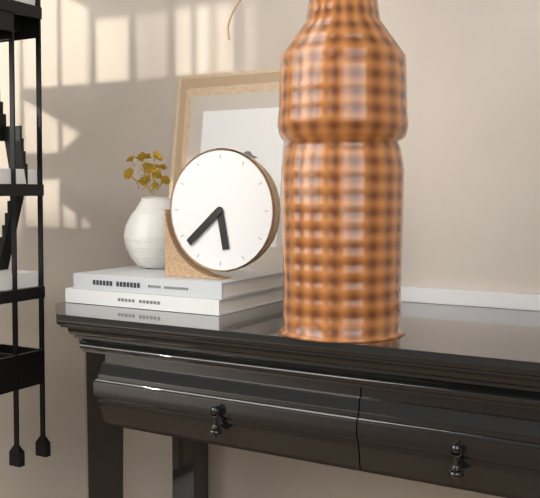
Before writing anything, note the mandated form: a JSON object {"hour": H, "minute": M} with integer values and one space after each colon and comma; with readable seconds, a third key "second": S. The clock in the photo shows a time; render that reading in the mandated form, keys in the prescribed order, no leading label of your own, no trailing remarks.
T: {"hour": 5, "minute": 38}
